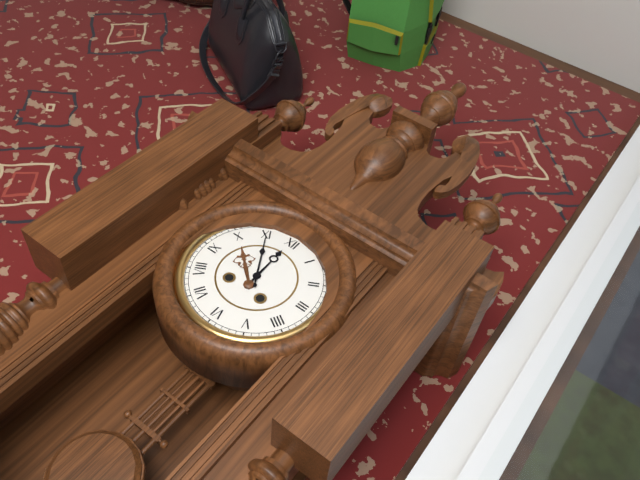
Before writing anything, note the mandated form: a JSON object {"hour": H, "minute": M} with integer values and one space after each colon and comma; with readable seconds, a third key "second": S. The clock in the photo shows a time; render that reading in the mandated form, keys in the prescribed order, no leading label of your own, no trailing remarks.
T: {"hour": 11, "minute": 55}
